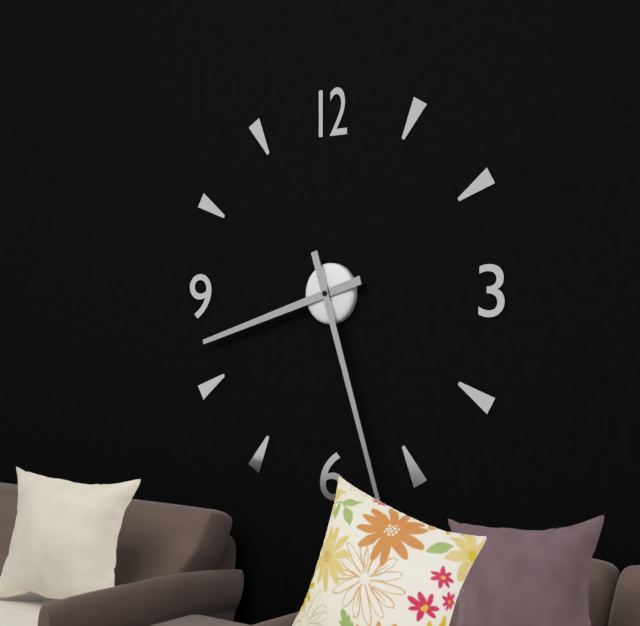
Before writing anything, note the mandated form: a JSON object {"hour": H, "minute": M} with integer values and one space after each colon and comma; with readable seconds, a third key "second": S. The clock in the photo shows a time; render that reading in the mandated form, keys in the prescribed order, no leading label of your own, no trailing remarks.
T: {"hour": 8, "minute": 27}
